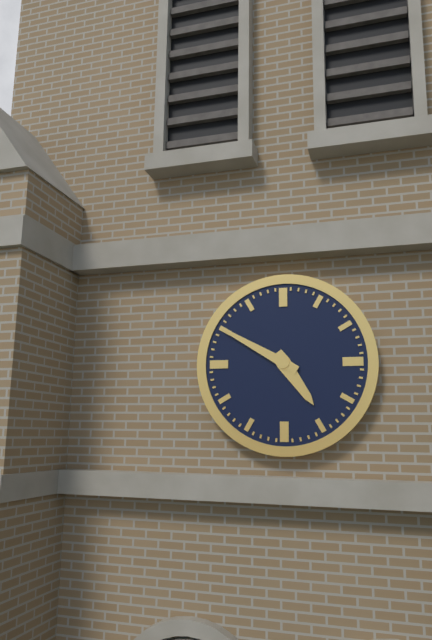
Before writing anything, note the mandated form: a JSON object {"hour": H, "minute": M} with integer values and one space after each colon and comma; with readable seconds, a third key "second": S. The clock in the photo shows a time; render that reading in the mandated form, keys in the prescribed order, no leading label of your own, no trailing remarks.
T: {"hour": 4, "minute": 50}
